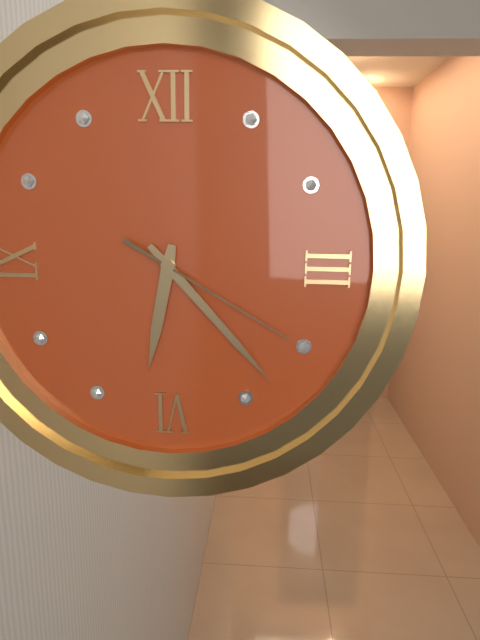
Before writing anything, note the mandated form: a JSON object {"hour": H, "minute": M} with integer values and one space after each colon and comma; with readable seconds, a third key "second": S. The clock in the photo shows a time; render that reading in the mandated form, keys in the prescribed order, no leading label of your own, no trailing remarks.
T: {"hour": 6, "minute": 23, "second": 20}
